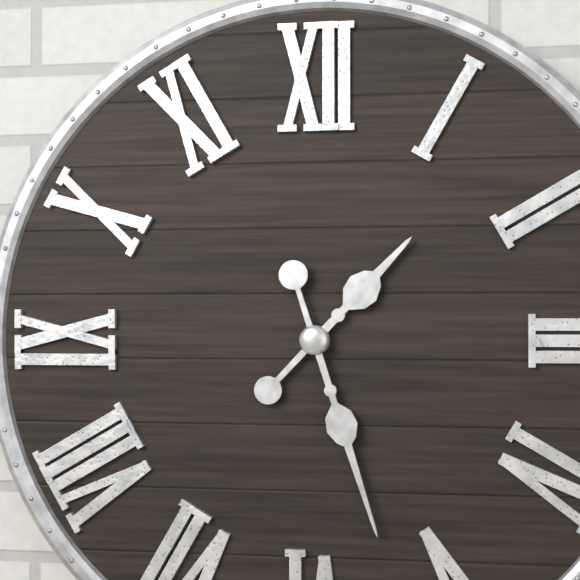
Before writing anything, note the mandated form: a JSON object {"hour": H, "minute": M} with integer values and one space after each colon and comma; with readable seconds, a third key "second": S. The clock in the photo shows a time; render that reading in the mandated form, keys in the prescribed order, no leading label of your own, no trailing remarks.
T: {"hour": 1, "minute": 27}
